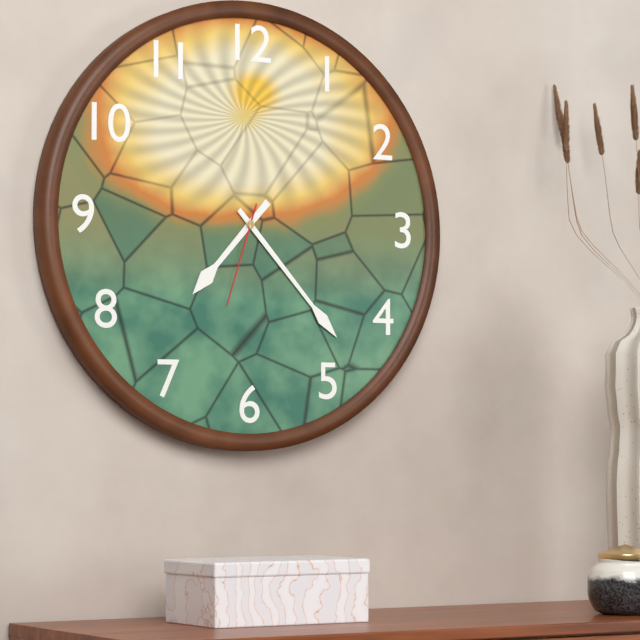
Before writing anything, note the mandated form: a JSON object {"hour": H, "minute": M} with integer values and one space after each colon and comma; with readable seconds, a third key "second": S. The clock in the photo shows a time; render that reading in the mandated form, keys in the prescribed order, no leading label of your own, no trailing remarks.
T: {"hour": 7, "minute": 23, "second": 33}
